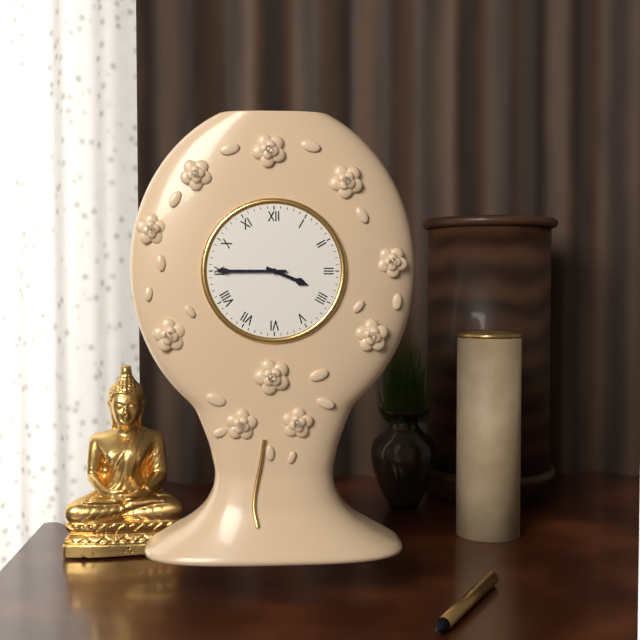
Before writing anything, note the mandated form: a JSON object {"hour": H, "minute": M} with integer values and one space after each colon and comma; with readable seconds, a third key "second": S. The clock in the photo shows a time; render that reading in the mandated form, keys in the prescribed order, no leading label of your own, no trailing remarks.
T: {"hour": 3, "minute": 45}
